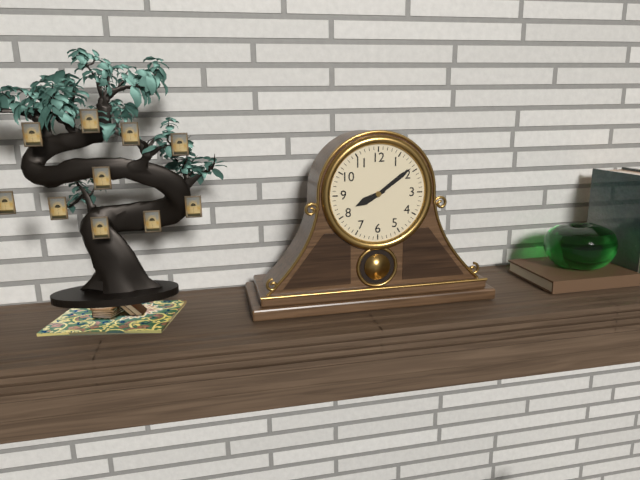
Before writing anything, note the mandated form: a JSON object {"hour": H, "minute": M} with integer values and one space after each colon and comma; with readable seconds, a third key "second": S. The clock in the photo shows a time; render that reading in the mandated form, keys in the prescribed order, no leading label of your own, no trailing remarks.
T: {"hour": 8, "minute": 9}
